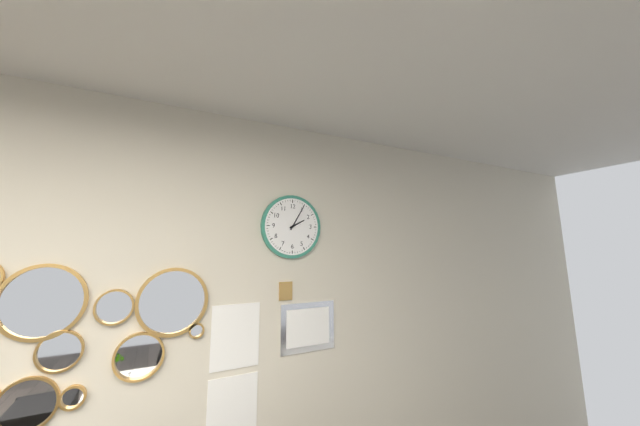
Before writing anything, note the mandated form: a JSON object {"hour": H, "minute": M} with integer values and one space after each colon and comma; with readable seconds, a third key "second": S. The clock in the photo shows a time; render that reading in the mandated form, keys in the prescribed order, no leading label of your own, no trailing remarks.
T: {"hour": 2, "minute": 5}
